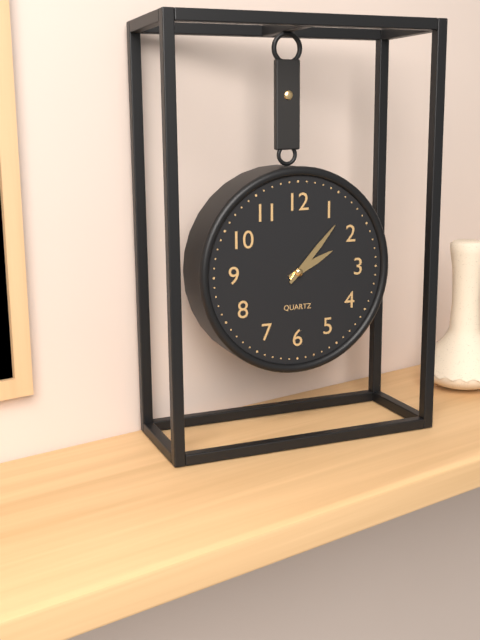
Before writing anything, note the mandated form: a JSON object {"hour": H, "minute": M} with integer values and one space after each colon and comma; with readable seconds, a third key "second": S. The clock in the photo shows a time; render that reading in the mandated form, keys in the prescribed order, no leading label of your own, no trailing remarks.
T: {"hour": 2, "minute": 7}
